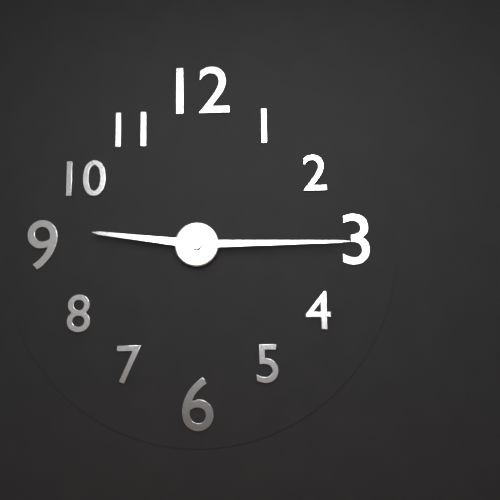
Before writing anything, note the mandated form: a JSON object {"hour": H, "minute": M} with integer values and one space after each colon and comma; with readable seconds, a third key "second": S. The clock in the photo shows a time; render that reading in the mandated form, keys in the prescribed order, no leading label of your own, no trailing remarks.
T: {"hour": 9, "minute": 15}
